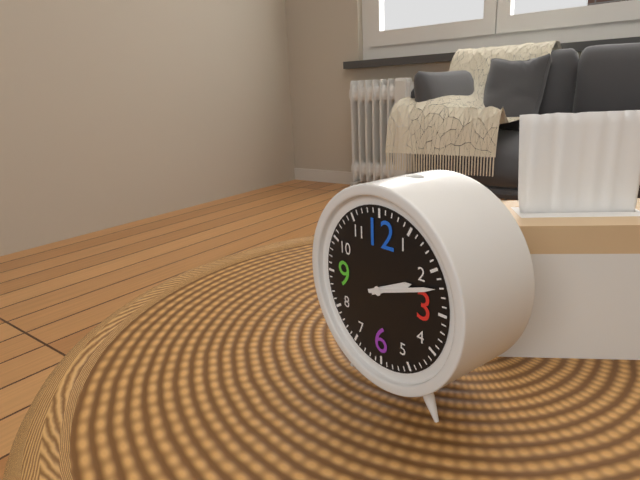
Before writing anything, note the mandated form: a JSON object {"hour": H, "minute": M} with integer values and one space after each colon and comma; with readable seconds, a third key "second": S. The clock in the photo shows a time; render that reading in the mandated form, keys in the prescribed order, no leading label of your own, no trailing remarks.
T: {"hour": 2, "minute": 12}
